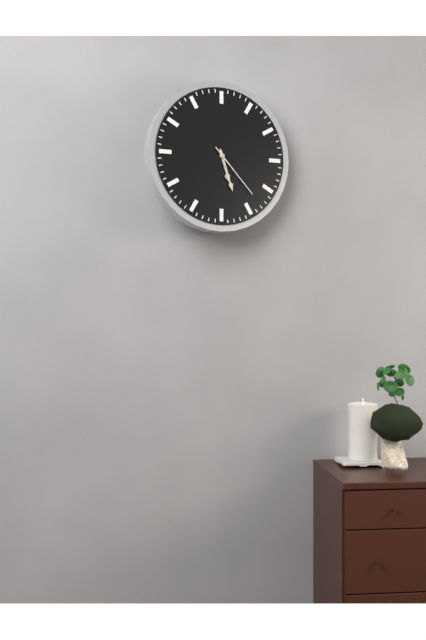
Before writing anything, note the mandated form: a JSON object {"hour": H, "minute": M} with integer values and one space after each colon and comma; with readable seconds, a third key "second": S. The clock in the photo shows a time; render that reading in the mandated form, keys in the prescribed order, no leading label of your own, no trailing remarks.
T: {"hour": 5, "minute": 27, "second": 23}
